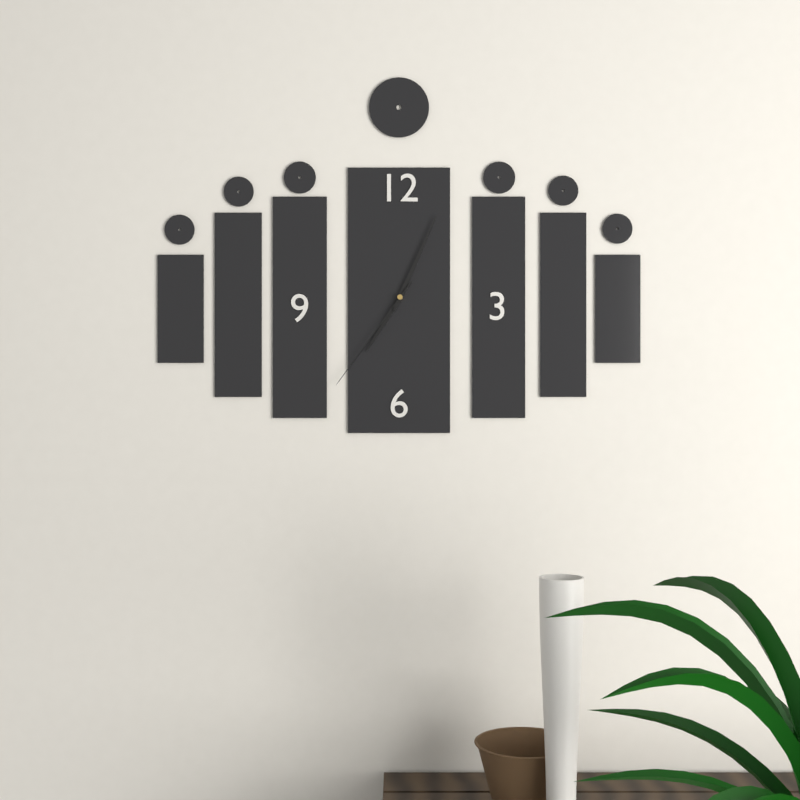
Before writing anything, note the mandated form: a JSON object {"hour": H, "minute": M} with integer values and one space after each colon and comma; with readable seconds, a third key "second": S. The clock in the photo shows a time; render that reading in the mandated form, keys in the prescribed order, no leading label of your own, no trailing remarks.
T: {"hour": 7, "minute": 4, "second": 36}
